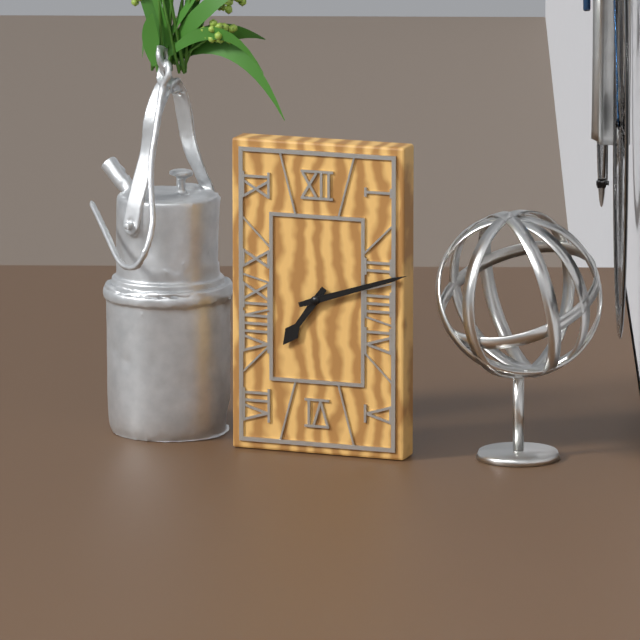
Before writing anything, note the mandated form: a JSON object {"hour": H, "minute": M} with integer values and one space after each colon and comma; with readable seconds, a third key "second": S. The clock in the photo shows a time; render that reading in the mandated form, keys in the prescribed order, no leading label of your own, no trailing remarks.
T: {"hour": 7, "minute": 12}
